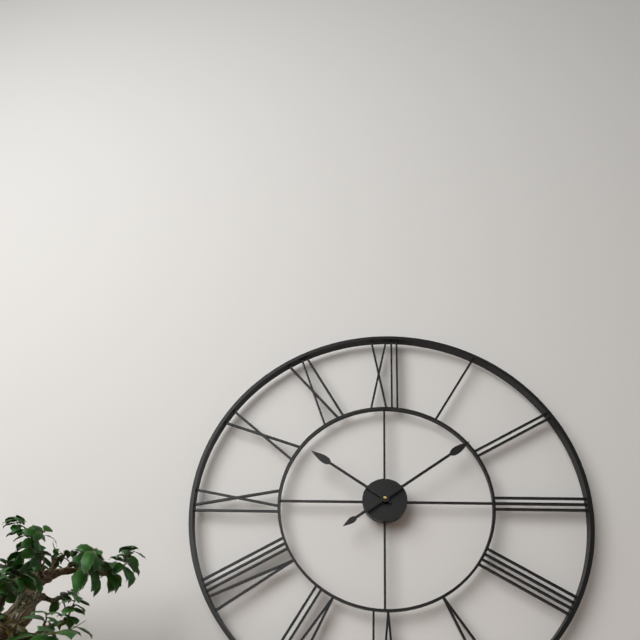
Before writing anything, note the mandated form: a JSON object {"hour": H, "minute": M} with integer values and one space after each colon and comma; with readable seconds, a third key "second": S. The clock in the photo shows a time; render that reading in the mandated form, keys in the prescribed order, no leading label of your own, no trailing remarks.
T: {"hour": 10, "minute": 9}
